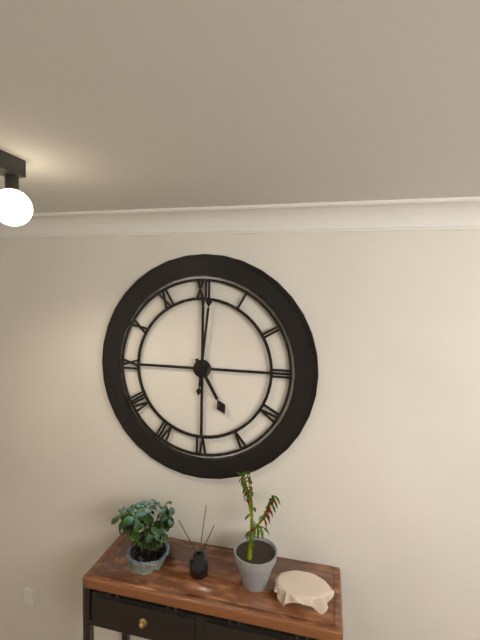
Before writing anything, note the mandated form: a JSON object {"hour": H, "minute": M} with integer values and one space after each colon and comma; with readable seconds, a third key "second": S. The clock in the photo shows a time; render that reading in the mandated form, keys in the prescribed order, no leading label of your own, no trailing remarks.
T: {"hour": 5, "minute": 1}
